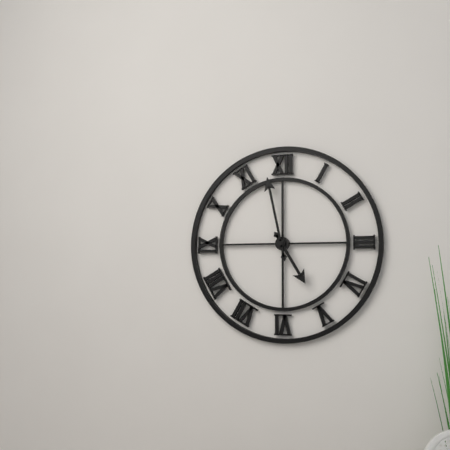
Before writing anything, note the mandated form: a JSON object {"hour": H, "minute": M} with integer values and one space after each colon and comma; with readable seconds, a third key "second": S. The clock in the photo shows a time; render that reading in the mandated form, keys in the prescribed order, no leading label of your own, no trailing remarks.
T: {"hour": 4, "minute": 58}
